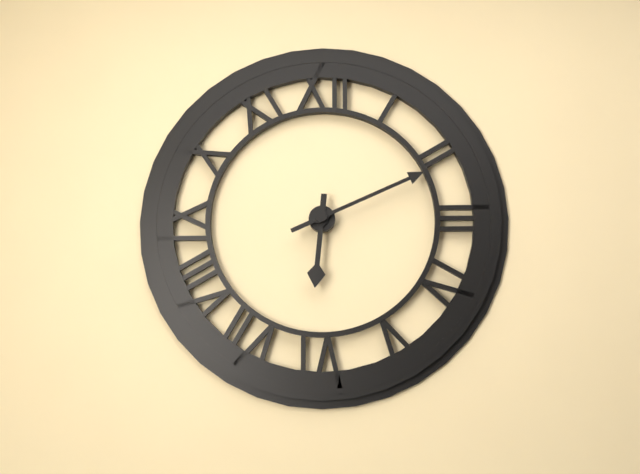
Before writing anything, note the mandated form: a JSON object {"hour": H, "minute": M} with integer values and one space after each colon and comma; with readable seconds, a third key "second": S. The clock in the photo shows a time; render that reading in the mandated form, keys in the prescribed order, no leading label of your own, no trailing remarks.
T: {"hour": 6, "minute": 11}
